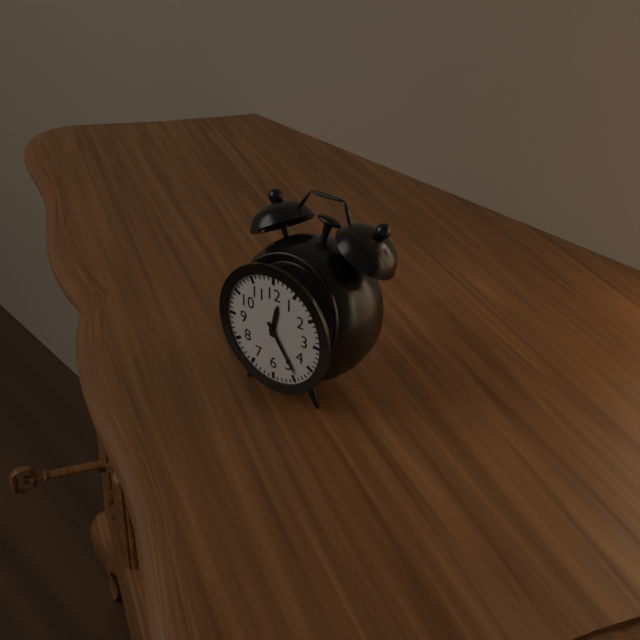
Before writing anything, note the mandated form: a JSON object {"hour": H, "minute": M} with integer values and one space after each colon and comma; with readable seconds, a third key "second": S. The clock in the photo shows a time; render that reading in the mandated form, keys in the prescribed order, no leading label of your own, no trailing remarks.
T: {"hour": 12, "minute": 24}
